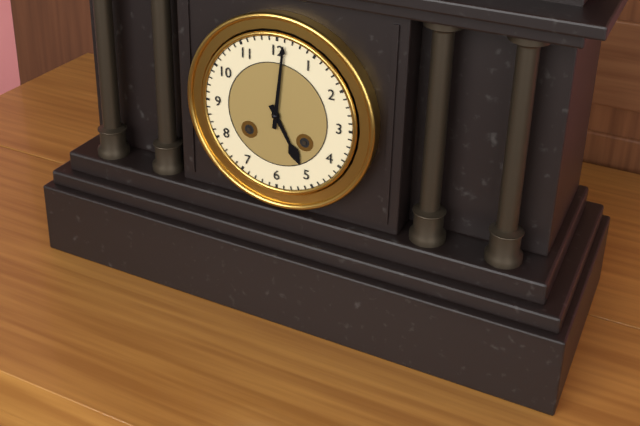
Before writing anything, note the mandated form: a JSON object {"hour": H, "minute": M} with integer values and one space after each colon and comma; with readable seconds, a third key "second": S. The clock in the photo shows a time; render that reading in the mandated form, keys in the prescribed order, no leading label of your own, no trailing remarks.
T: {"hour": 5, "minute": 1}
